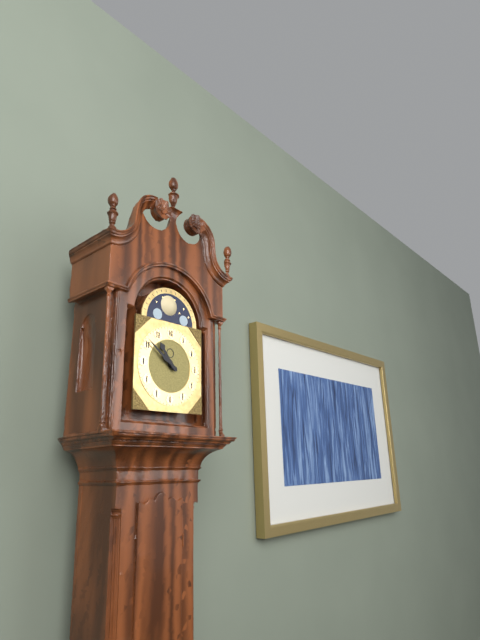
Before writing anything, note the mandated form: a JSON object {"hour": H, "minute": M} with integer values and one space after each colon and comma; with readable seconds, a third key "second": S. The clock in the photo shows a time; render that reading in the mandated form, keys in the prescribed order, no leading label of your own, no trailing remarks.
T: {"hour": 10, "minute": 51}
